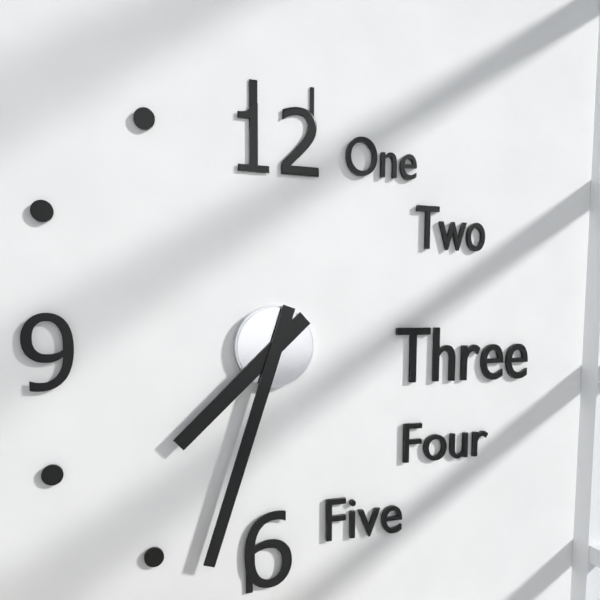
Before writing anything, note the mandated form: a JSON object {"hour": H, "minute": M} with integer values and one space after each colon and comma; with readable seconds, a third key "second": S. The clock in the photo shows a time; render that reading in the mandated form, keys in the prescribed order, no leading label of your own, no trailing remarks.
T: {"hour": 7, "minute": 33}
